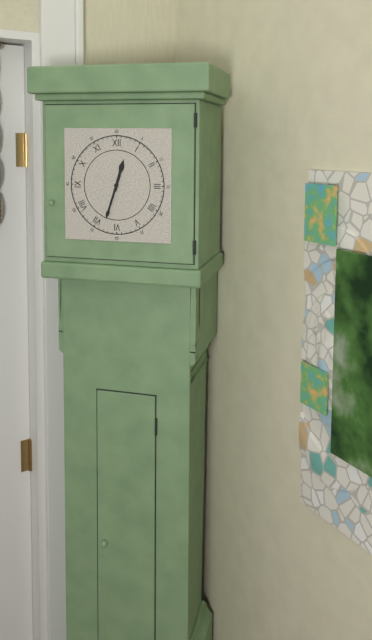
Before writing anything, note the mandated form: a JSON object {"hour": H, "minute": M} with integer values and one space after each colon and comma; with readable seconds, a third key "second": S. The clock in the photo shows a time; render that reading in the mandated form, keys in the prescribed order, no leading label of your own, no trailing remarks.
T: {"hour": 12, "minute": 33}
